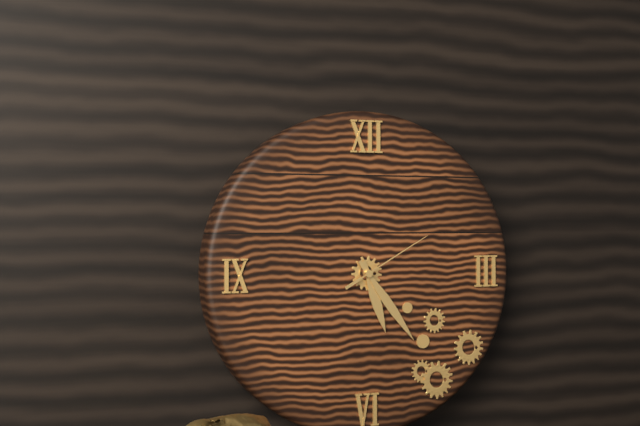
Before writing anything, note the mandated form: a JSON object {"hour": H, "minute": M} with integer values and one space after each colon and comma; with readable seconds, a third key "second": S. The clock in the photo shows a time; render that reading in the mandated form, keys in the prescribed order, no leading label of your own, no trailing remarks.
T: {"hour": 5, "minute": 24, "second": 10}
